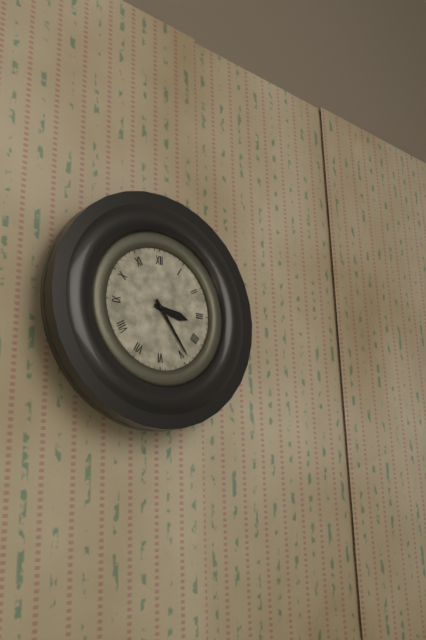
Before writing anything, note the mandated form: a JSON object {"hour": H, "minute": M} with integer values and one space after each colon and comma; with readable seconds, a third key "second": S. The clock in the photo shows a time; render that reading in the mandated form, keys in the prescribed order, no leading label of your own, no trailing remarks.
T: {"hour": 3, "minute": 24}
